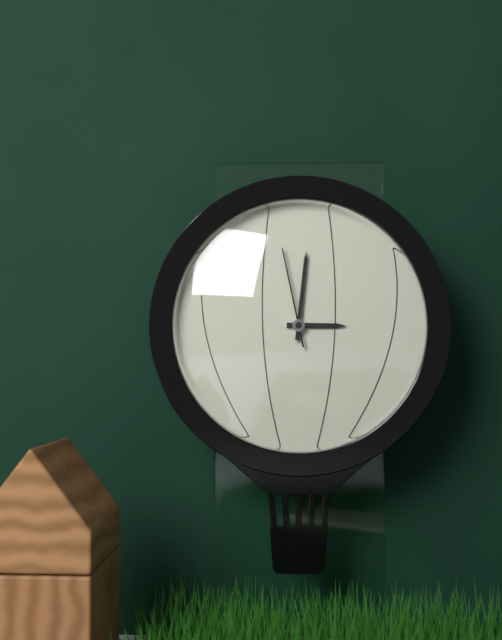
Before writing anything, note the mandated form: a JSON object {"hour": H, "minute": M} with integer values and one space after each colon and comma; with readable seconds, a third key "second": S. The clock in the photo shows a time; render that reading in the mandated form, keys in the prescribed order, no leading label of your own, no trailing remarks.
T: {"hour": 3, "minute": 1, "second": 58}
